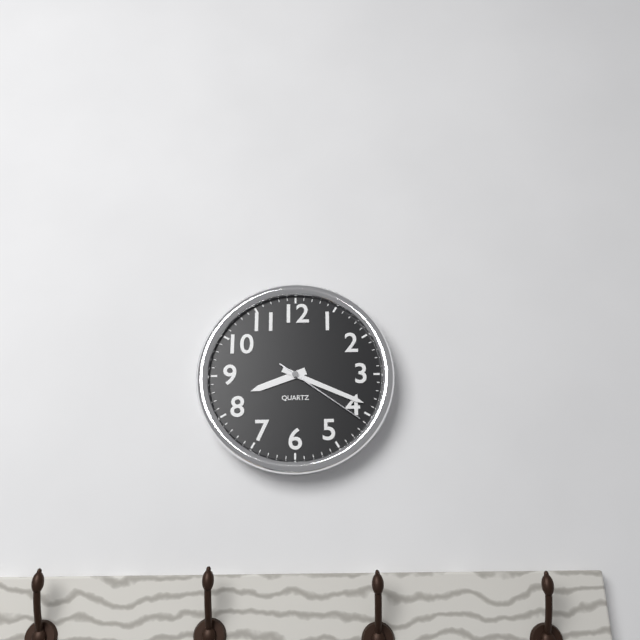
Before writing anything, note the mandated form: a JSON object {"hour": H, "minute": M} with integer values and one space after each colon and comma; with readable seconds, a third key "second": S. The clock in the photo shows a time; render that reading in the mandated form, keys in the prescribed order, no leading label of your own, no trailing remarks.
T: {"hour": 8, "minute": 19, "second": 21}
